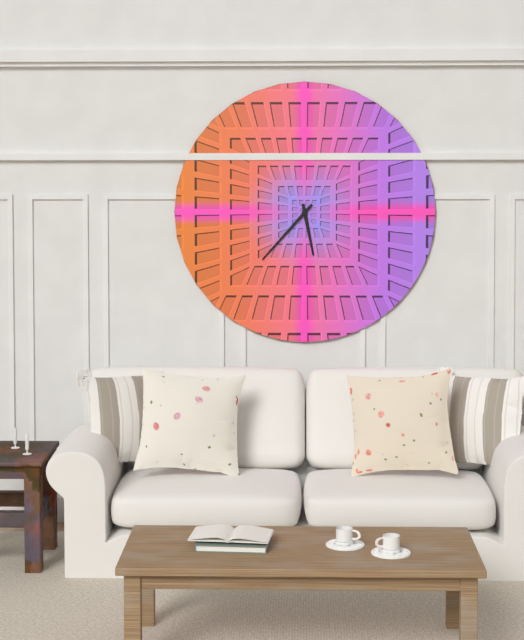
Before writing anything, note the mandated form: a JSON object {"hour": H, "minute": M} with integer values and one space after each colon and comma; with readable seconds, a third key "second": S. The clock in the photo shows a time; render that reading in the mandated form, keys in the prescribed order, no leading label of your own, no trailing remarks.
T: {"hour": 5, "minute": 37}
